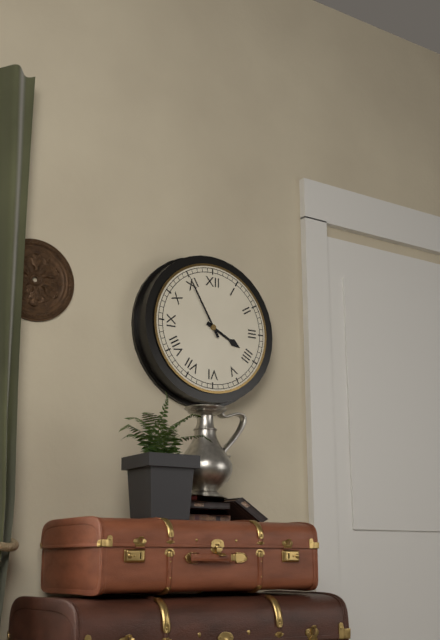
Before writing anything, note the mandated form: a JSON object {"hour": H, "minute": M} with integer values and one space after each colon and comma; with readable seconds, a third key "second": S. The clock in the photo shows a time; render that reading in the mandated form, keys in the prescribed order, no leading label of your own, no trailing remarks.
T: {"hour": 3, "minute": 55}
